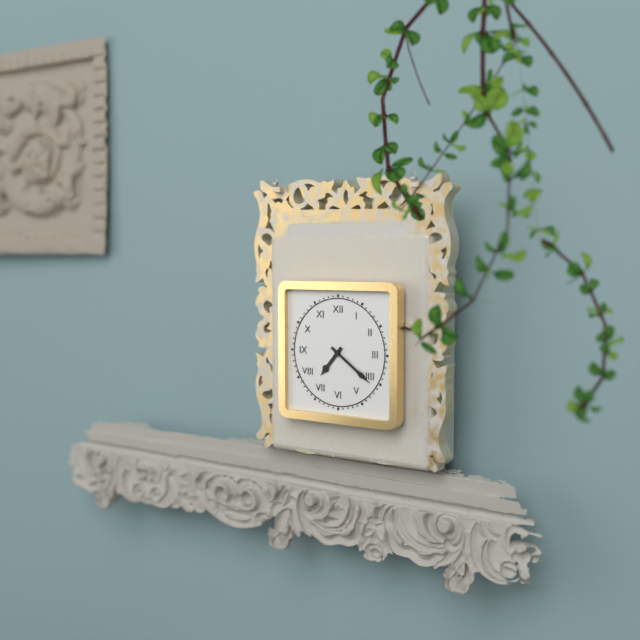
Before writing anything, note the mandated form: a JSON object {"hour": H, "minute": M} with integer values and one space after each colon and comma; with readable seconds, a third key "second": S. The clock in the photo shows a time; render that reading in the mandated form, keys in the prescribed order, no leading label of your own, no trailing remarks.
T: {"hour": 7, "minute": 21}
